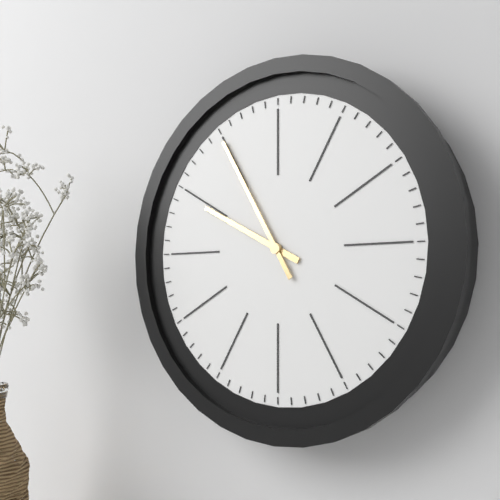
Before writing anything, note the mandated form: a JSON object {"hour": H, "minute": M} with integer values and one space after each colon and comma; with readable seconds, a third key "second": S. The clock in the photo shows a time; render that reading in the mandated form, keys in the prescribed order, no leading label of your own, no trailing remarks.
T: {"hour": 9, "minute": 55}
